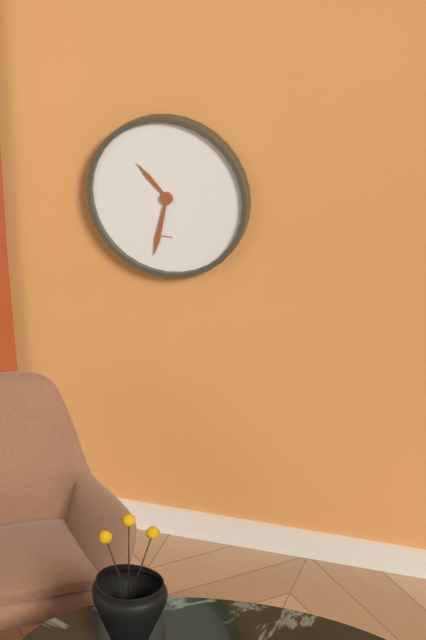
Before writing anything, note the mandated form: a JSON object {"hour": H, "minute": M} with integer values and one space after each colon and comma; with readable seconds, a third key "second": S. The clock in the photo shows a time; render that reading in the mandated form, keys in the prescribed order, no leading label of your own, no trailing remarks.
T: {"hour": 10, "minute": 32}
